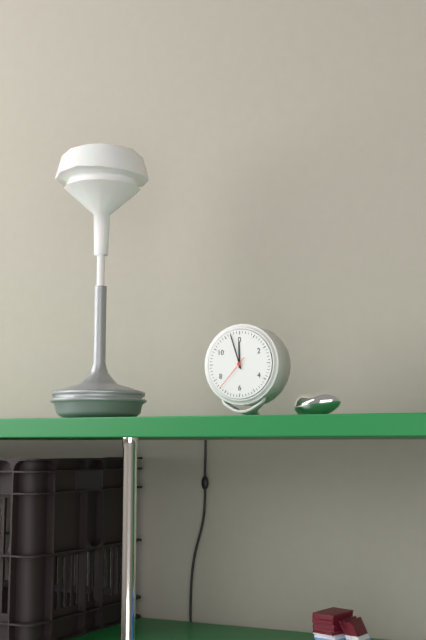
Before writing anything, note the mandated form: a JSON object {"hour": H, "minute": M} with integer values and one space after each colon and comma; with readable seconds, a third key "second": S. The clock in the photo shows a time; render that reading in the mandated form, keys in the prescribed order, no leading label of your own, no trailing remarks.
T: {"hour": 11, "minute": 57}
